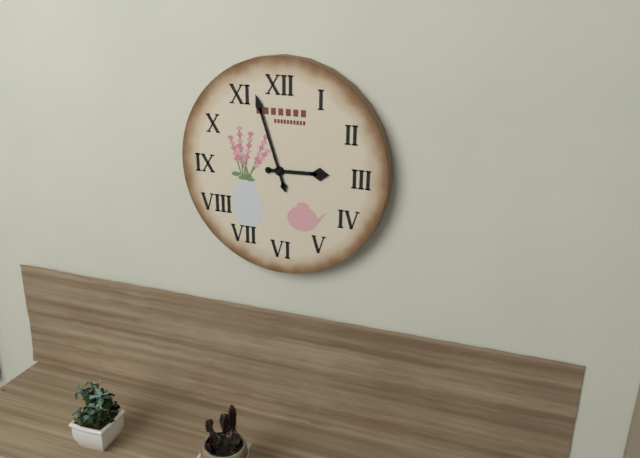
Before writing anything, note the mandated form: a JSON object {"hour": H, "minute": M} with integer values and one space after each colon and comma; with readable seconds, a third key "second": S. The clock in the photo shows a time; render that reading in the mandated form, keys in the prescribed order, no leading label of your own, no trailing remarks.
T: {"hour": 2, "minute": 57}
